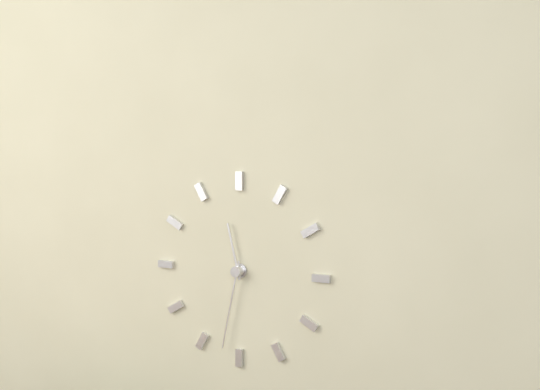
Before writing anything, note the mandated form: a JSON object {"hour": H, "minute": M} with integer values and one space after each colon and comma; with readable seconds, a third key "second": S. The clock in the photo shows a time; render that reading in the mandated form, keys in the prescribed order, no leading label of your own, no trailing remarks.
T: {"hour": 11, "minute": 32}
